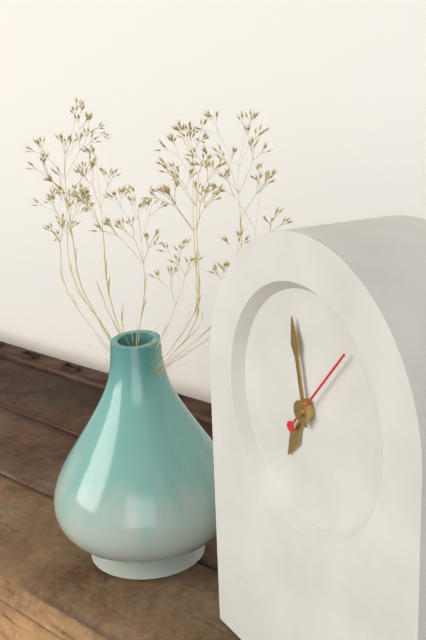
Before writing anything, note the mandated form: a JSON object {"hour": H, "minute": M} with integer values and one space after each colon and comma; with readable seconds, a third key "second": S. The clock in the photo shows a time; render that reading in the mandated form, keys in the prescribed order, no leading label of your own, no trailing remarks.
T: {"hour": 6, "minute": 58, "second": 7}
